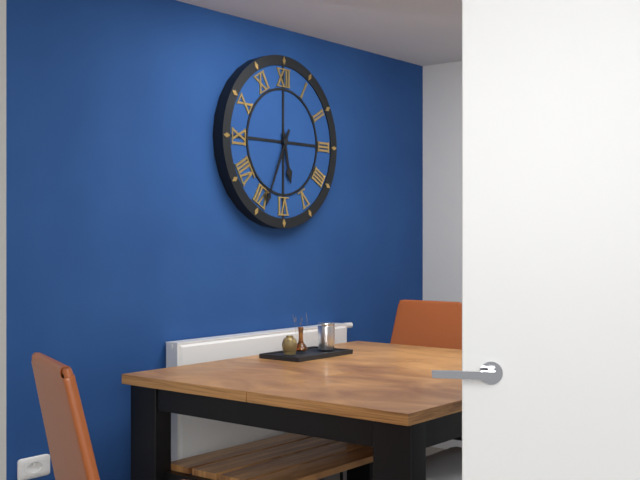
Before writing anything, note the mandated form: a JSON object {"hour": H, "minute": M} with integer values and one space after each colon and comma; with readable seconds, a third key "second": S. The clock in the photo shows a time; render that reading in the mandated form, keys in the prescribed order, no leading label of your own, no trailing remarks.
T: {"hour": 5, "minute": 34}
